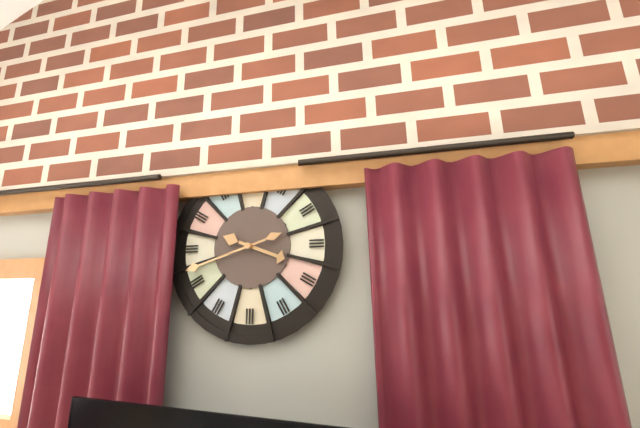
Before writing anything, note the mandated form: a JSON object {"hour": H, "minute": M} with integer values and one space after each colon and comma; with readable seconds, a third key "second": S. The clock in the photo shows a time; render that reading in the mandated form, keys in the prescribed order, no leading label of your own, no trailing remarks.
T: {"hour": 3, "minute": 42}
